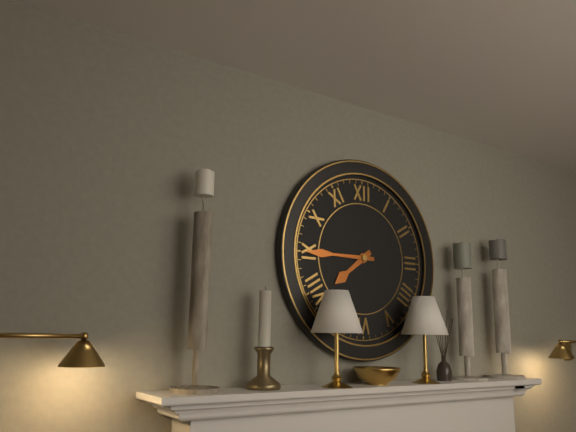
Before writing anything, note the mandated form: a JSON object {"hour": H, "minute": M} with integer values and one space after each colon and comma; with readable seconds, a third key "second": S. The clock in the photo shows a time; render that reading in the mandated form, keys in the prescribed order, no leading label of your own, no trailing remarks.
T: {"hour": 7, "minute": 45}
